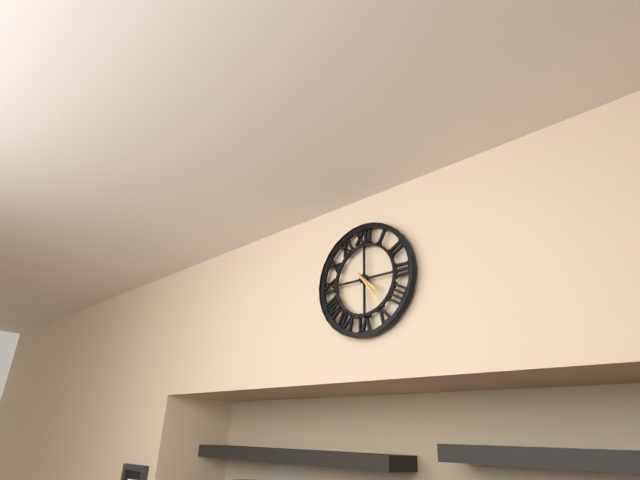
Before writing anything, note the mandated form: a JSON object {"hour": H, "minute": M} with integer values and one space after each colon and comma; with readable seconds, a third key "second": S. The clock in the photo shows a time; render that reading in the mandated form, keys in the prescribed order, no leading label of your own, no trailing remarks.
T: {"hour": 4, "minute": 24}
